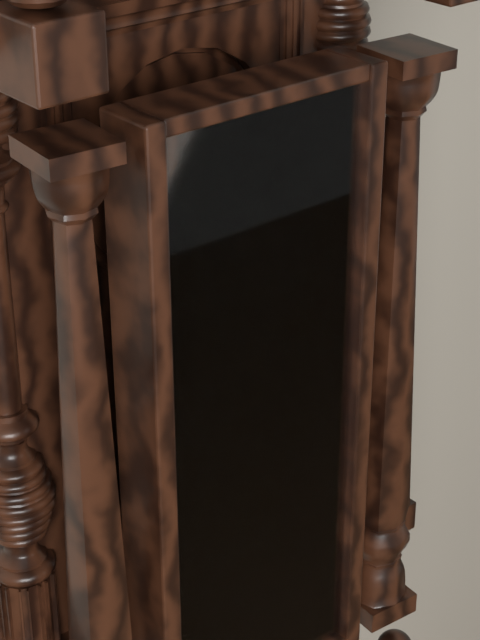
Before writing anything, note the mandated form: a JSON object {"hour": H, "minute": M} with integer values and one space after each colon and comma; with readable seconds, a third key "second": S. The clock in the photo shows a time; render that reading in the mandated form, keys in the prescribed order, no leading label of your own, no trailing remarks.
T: {"hour": 9, "minute": 41}
